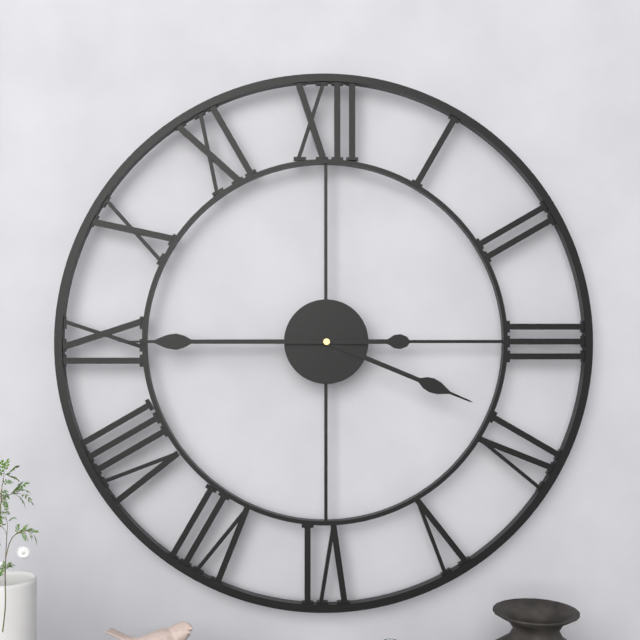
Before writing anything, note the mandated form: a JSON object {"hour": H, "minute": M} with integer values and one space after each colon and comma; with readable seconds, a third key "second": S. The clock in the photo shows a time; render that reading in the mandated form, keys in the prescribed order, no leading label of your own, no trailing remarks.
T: {"hour": 3, "minute": 45}
